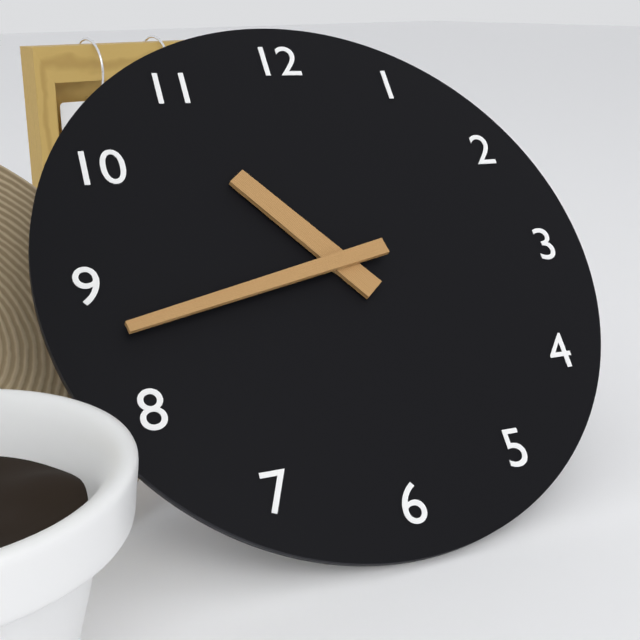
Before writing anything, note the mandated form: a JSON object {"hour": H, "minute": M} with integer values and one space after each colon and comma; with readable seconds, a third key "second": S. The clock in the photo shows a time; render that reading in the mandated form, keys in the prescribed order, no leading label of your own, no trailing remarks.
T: {"hour": 10, "minute": 43}
